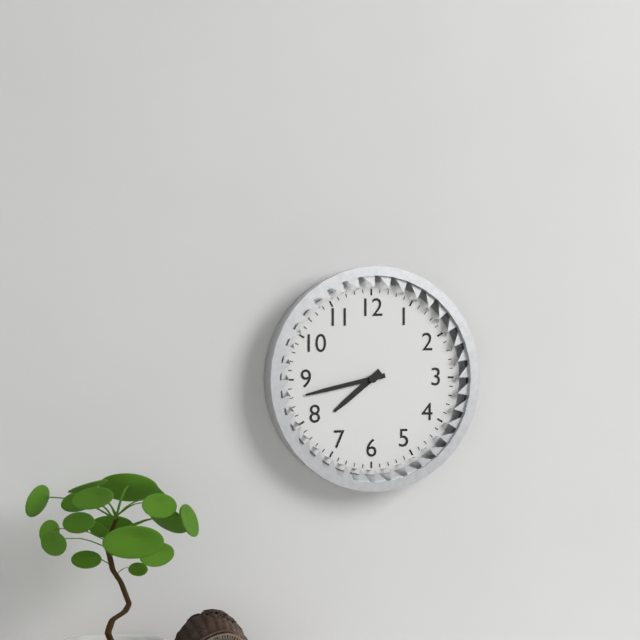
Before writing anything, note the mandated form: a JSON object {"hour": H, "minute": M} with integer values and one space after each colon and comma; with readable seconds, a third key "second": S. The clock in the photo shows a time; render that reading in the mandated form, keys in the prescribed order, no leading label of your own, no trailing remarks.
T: {"hour": 7, "minute": 43}
